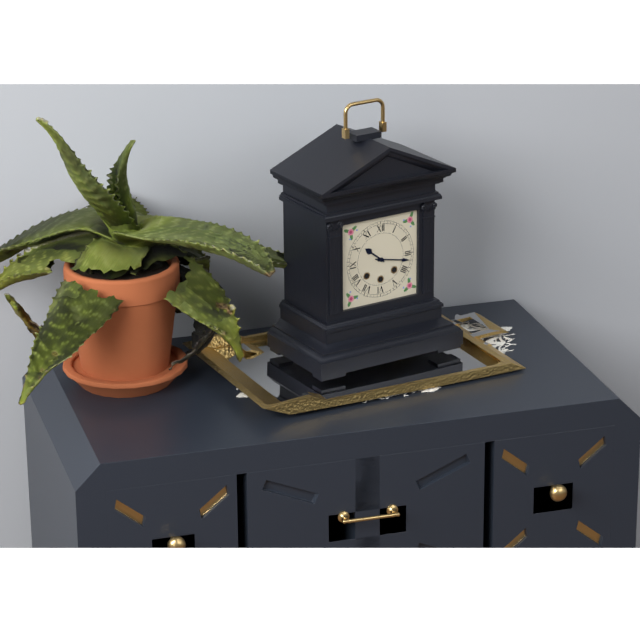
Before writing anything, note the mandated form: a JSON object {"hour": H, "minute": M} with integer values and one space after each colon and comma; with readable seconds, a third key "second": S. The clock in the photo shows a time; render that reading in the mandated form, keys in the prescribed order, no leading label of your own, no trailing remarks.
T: {"hour": 10, "minute": 17}
